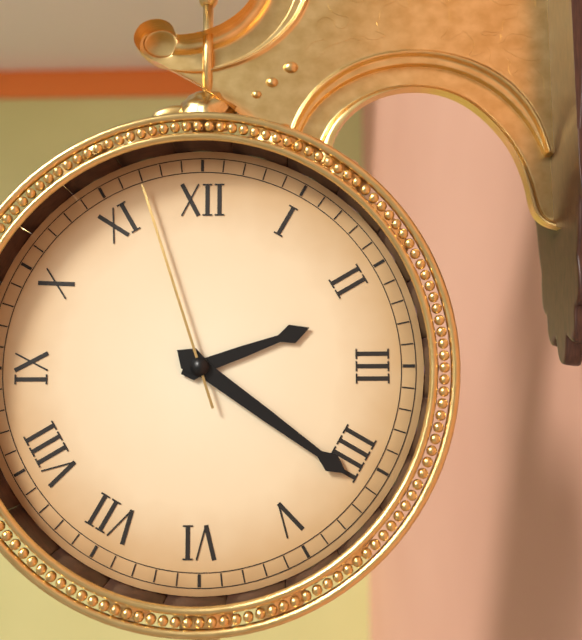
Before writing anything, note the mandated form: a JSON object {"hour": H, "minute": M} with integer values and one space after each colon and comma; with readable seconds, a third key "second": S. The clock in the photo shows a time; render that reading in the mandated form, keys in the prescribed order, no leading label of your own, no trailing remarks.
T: {"hour": 2, "minute": 21, "second": 57}
